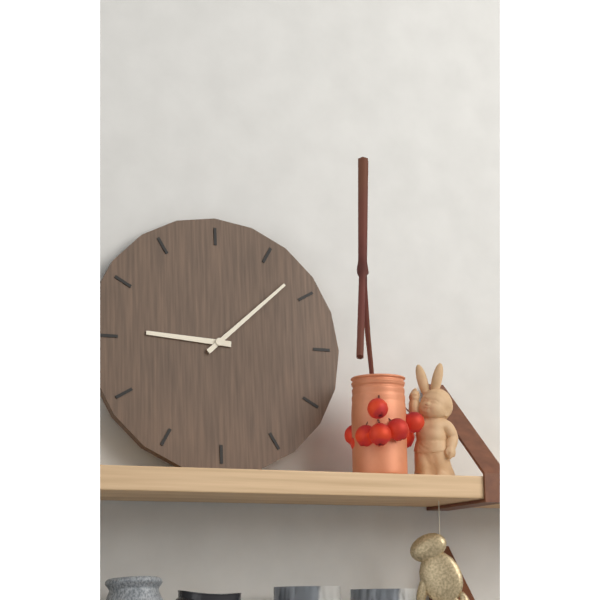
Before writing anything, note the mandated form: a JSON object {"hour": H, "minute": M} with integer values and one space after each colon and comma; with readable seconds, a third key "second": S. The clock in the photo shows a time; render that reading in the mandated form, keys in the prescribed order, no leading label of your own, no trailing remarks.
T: {"hour": 9, "minute": 8}
